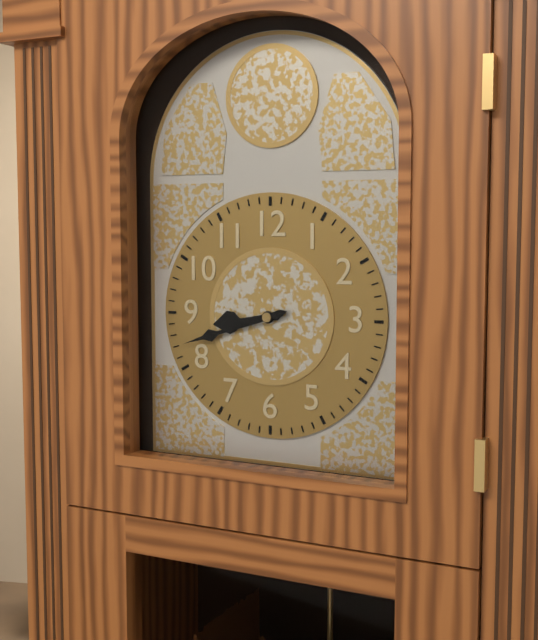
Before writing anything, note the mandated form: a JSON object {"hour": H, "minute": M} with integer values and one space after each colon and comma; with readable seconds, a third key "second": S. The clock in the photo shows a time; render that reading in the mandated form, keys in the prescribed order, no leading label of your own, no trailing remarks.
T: {"hour": 8, "minute": 42}
